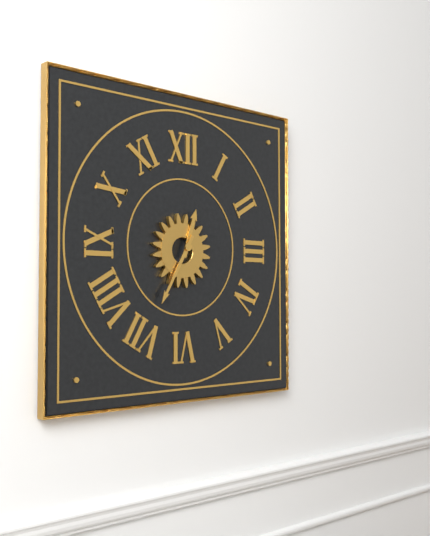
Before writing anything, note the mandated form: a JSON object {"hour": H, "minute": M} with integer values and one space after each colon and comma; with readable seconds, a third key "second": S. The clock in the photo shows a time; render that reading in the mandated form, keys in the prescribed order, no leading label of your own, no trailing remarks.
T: {"hour": 12, "minute": 35}
